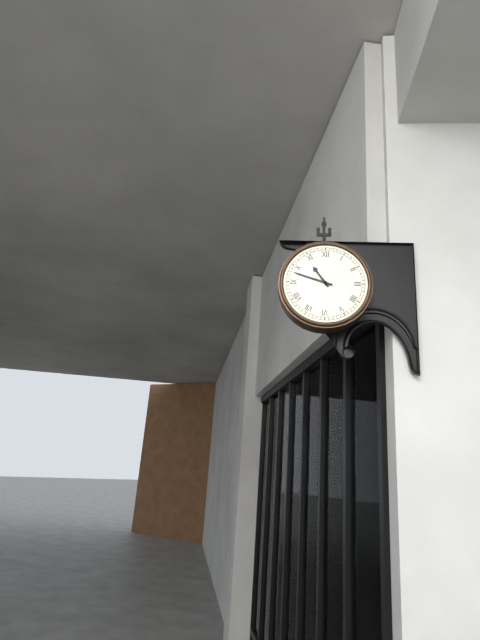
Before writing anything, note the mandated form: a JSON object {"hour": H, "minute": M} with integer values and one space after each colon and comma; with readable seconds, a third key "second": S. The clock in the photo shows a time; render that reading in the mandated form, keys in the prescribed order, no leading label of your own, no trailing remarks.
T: {"hour": 10, "minute": 48}
